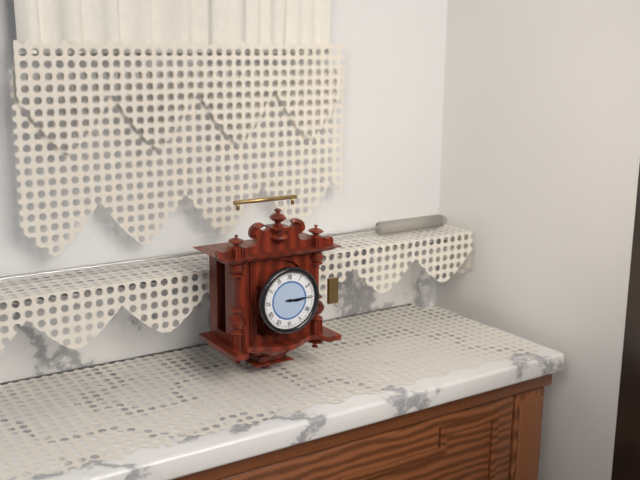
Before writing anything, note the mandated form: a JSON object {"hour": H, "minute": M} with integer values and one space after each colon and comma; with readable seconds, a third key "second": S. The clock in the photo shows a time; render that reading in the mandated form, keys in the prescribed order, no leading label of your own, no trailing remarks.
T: {"hour": 3, "minute": 15}
